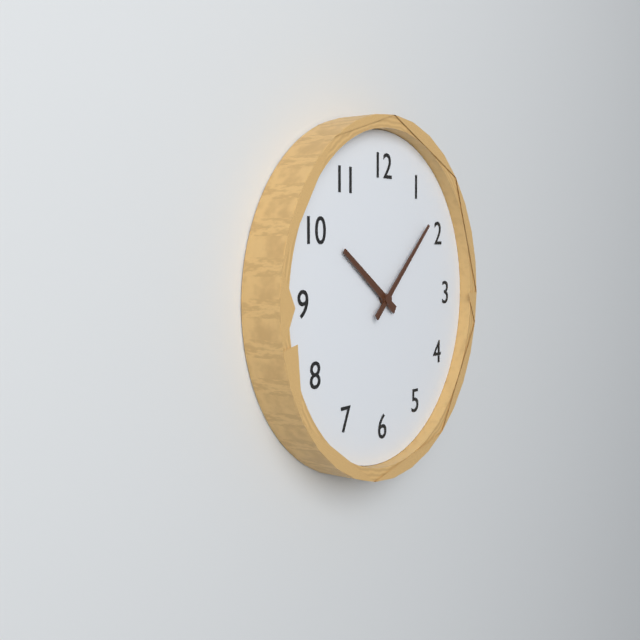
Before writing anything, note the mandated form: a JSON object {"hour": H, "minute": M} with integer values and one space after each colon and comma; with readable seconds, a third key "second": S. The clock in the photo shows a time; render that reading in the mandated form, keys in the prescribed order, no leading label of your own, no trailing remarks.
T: {"hour": 10, "minute": 8}
